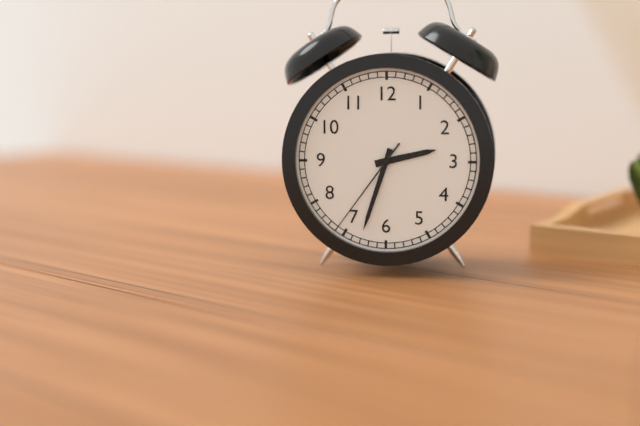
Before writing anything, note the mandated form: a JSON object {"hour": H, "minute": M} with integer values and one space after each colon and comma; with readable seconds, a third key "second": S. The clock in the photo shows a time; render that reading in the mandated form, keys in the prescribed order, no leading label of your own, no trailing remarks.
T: {"hour": 2, "minute": 33, "second": 36}
